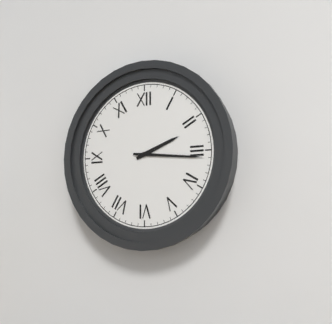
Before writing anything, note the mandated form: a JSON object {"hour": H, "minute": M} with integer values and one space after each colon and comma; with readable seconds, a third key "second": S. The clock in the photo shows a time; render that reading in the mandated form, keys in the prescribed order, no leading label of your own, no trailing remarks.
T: {"hour": 2, "minute": 16}
